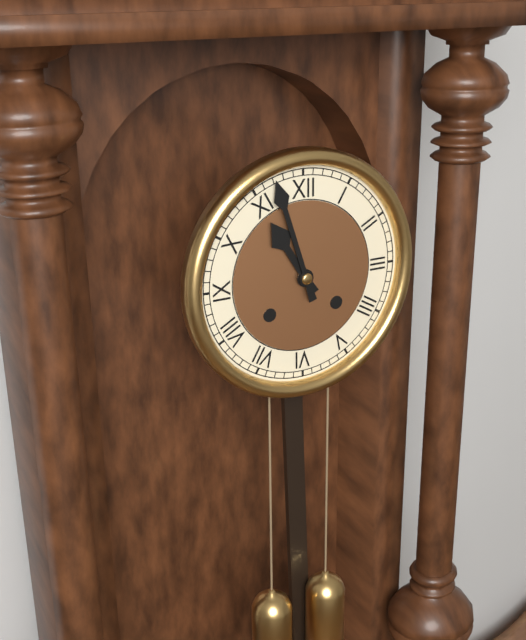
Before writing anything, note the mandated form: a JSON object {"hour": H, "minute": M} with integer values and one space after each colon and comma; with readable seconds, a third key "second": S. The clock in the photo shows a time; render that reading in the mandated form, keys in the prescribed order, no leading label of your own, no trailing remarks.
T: {"hour": 10, "minute": 57}
